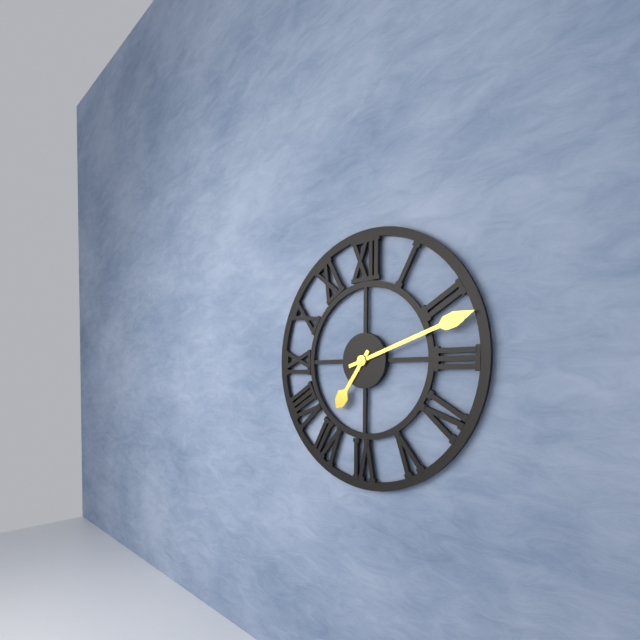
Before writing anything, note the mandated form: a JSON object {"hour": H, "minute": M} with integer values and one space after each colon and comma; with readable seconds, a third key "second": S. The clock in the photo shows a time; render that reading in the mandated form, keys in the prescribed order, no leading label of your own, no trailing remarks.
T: {"hour": 7, "minute": 12}
